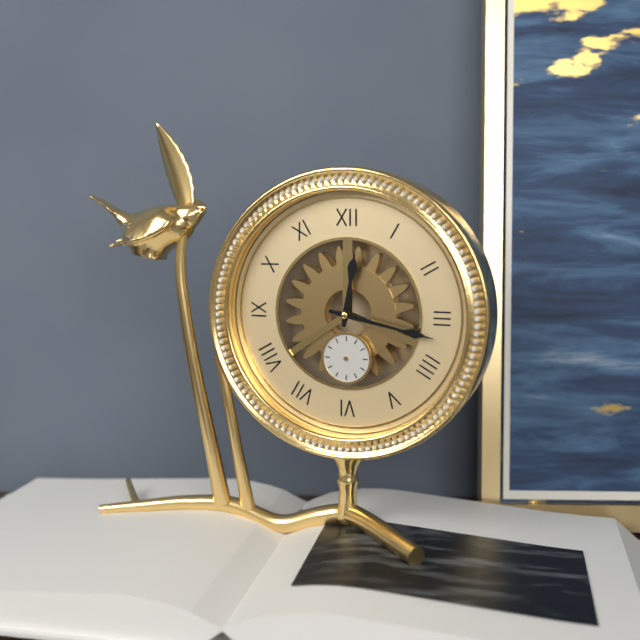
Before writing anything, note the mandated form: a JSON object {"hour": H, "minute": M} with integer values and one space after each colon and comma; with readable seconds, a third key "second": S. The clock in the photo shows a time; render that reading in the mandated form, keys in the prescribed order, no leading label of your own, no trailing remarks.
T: {"hour": 12, "minute": 17}
